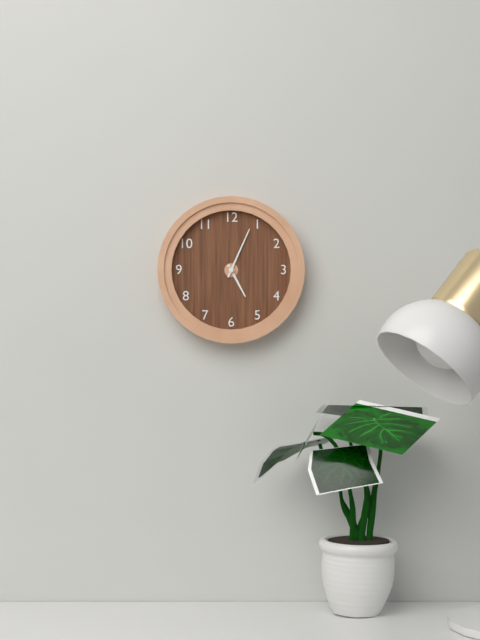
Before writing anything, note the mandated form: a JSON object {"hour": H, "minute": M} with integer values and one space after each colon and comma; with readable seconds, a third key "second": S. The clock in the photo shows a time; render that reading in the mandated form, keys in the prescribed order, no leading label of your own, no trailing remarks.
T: {"hour": 5, "minute": 4}
